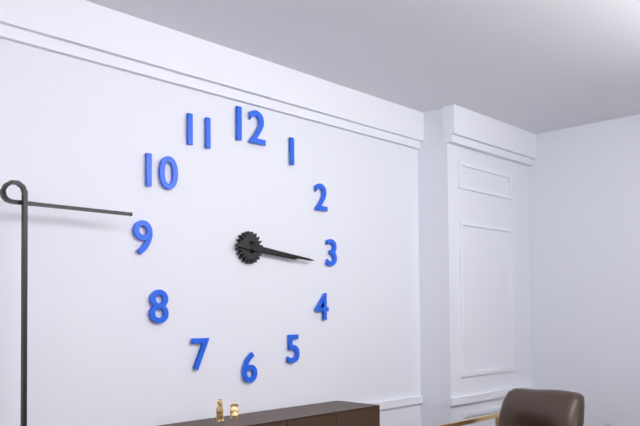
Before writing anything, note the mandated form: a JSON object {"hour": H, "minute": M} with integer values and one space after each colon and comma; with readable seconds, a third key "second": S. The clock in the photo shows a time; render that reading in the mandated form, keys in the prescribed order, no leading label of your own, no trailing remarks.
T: {"hour": 3, "minute": 16}
